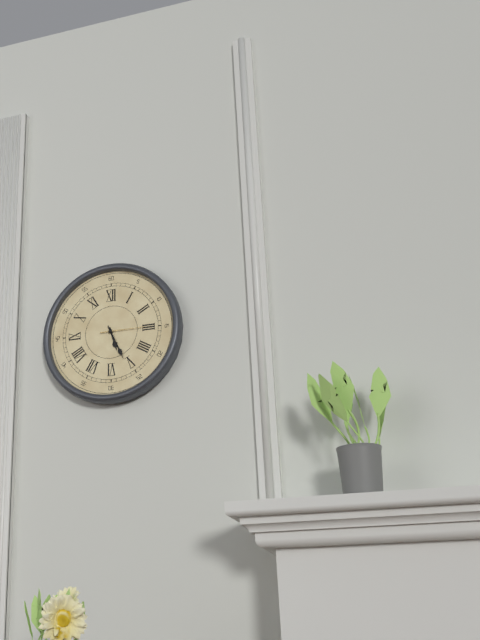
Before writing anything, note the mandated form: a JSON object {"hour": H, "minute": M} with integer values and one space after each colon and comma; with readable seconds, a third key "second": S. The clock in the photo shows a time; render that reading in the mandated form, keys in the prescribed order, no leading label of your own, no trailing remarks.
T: {"hour": 5, "minute": 26}
